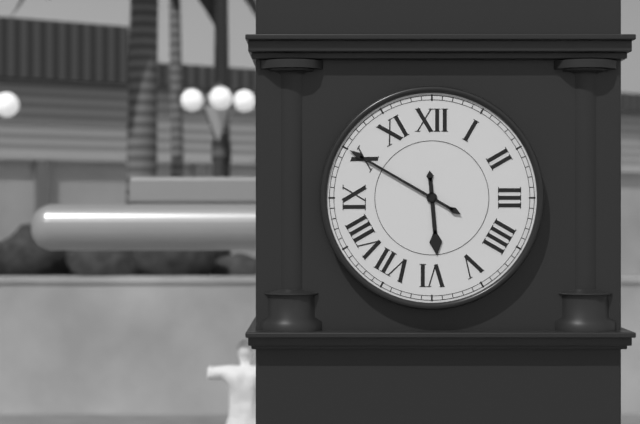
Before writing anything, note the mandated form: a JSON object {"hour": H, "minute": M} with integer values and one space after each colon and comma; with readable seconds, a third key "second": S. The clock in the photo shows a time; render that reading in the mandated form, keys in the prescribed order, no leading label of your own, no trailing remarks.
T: {"hour": 5, "minute": 50}
